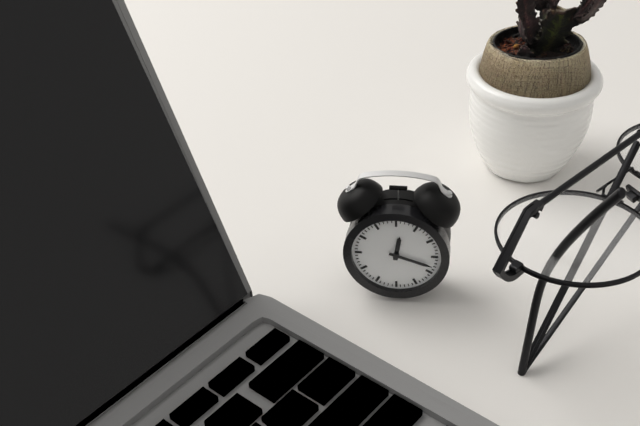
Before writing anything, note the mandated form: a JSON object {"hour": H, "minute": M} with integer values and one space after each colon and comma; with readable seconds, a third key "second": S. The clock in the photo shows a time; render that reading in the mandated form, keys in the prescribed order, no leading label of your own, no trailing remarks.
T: {"hour": 12, "minute": 18}
